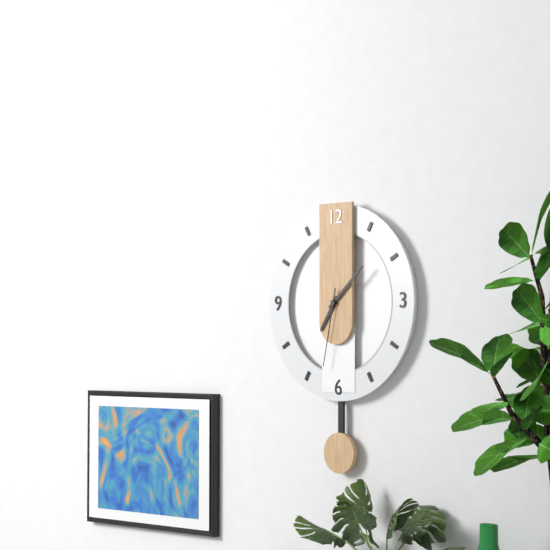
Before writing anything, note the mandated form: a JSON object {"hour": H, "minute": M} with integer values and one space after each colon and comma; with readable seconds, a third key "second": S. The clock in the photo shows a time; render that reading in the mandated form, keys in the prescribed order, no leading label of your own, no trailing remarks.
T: {"hour": 7, "minute": 8, "second": 32}
